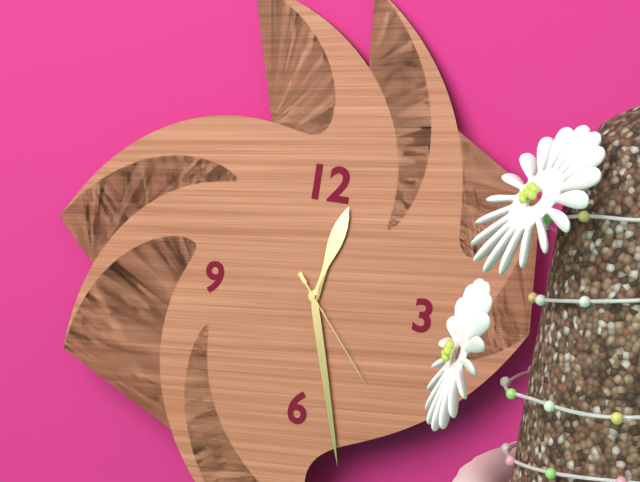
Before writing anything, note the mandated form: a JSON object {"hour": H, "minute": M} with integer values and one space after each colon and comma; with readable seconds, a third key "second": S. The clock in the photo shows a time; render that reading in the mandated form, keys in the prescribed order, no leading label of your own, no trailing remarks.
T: {"hour": 12, "minute": 27, "second": 23}
